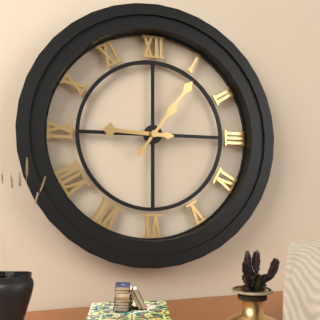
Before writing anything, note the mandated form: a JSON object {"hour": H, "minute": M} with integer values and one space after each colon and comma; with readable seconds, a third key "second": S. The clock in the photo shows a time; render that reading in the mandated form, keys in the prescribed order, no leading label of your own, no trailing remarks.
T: {"hour": 9, "minute": 6}
